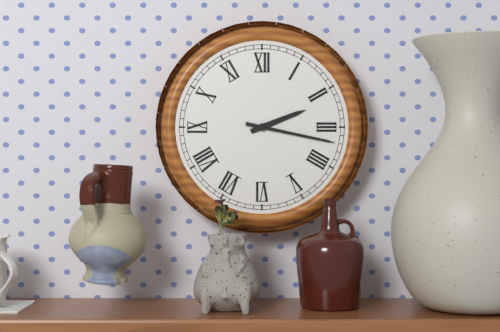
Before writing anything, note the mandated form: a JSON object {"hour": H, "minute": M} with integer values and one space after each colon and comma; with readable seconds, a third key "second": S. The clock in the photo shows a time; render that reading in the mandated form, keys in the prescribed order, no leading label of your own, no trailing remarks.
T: {"hour": 2, "minute": 17}
